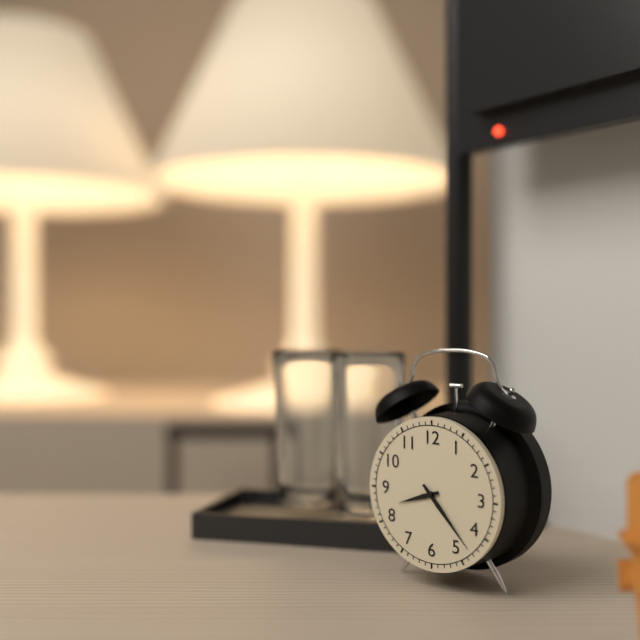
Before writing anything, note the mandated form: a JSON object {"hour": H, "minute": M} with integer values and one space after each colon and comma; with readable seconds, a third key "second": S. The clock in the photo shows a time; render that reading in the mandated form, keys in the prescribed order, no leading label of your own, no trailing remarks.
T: {"hour": 8, "minute": 23}
